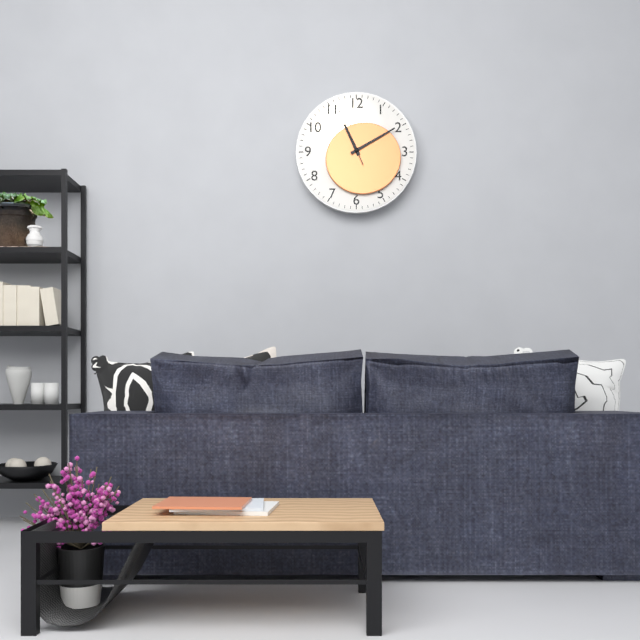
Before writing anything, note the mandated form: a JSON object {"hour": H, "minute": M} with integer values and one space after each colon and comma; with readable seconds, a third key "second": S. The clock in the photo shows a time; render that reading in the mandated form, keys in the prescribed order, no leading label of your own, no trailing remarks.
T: {"hour": 11, "minute": 10, "second": 56}
